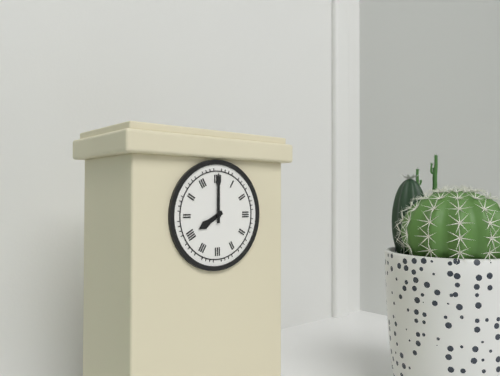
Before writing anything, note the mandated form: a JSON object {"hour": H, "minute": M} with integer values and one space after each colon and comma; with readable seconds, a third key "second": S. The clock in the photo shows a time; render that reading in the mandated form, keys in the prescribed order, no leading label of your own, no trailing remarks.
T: {"hour": 8, "minute": 0}
